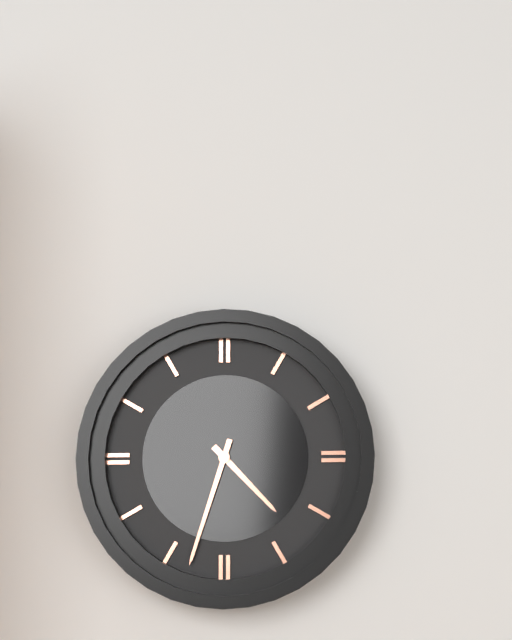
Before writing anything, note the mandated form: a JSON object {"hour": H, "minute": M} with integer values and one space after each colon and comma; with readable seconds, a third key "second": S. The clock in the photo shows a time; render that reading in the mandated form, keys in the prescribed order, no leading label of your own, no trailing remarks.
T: {"hour": 4, "minute": 33}
